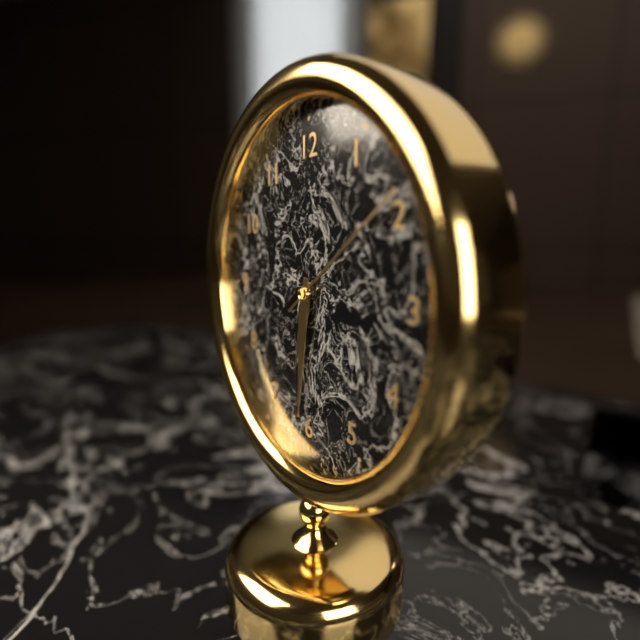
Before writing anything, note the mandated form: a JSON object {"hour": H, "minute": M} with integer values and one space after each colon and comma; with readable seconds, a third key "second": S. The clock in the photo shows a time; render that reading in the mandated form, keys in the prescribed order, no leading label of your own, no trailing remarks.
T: {"hour": 6, "minute": 31, "second": 9}
